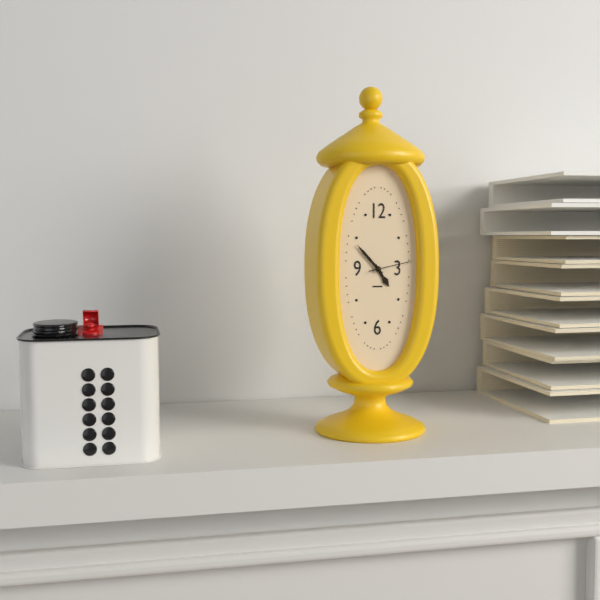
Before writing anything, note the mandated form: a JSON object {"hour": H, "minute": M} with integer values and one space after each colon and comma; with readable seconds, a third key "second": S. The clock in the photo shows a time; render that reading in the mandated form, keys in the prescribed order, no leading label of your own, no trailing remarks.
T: {"hour": 4, "minute": 53}
